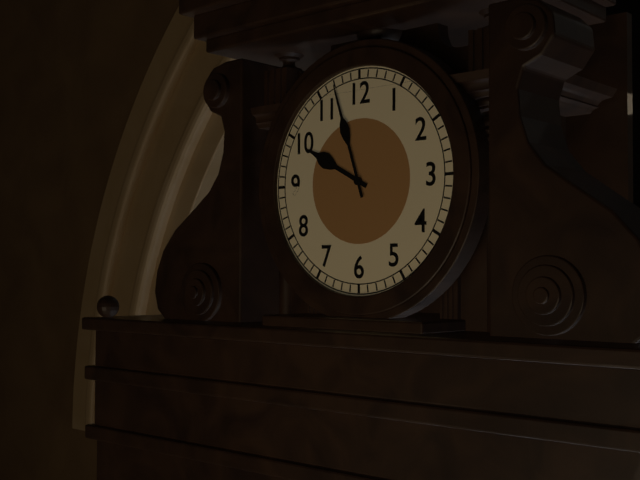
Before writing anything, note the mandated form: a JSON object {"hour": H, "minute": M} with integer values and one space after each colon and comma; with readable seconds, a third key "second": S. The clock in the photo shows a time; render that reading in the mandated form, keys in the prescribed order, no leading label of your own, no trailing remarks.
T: {"hour": 9, "minute": 57}
